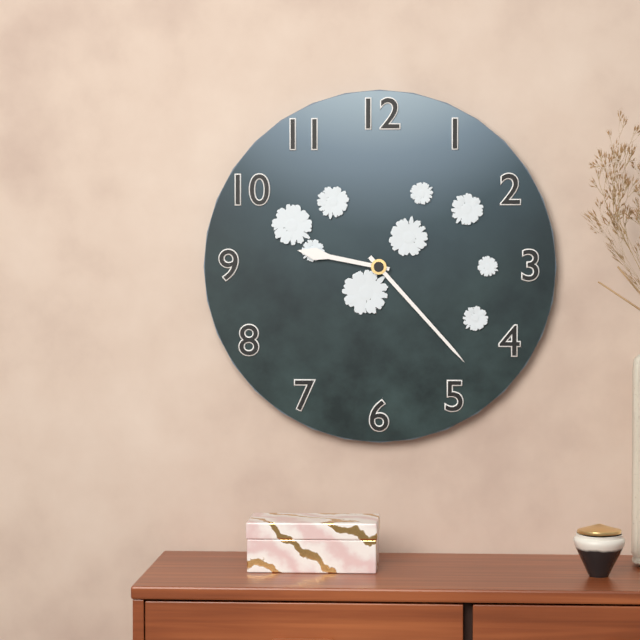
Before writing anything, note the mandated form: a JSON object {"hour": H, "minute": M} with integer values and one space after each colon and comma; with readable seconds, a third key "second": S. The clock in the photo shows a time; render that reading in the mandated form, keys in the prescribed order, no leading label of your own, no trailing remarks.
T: {"hour": 9, "minute": 23}
